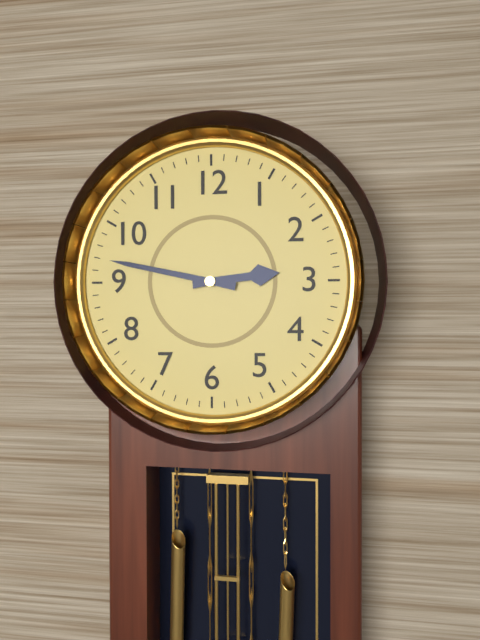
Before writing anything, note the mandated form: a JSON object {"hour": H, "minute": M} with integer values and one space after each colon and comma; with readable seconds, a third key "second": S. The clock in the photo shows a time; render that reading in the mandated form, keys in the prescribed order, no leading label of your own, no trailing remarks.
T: {"hour": 2, "minute": 47}
